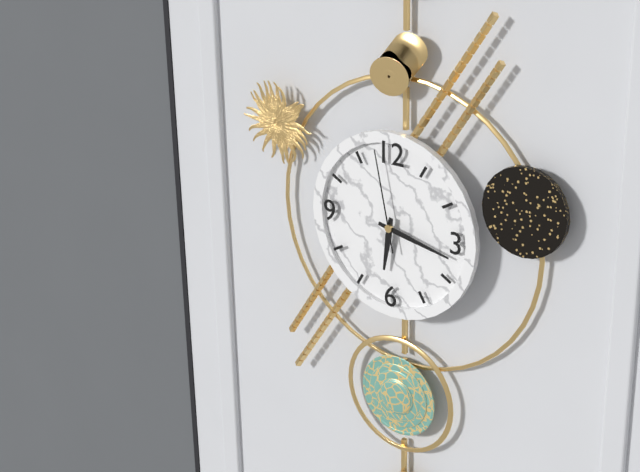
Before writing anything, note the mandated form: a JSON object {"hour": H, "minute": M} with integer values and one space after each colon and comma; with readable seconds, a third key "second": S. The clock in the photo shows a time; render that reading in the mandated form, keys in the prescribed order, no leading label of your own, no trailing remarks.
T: {"hour": 6, "minute": 17, "second": 58}
